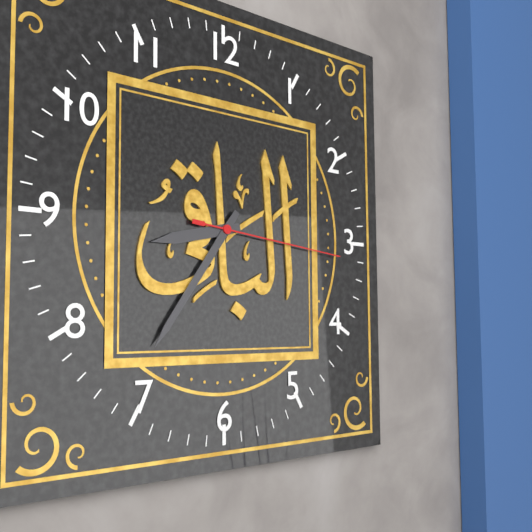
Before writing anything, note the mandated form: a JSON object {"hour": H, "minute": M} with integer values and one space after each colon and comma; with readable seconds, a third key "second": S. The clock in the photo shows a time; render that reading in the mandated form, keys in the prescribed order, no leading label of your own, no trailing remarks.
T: {"hour": 8, "minute": 36, "second": 16}
